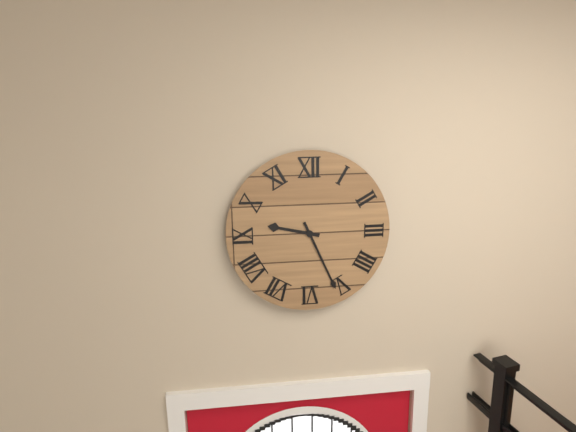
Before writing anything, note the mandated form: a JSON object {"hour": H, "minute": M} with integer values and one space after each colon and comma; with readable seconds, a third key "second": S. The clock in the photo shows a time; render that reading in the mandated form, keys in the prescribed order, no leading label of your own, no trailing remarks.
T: {"hour": 9, "minute": 26}
